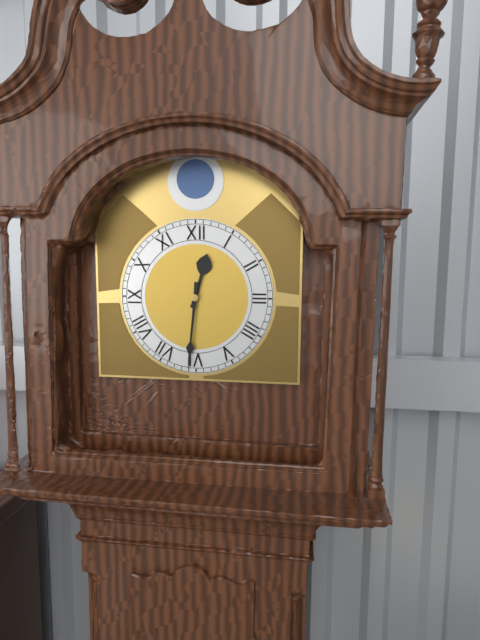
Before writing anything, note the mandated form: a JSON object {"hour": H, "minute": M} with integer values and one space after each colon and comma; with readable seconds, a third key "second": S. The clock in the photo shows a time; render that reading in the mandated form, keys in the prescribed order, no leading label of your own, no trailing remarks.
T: {"hour": 12, "minute": 31}
